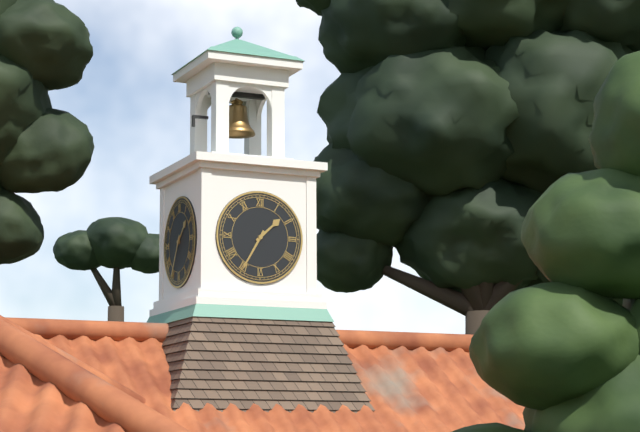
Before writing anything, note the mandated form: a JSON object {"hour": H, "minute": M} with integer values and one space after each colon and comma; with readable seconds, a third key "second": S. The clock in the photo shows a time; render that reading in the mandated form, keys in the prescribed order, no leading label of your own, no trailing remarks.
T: {"hour": 1, "minute": 35}
